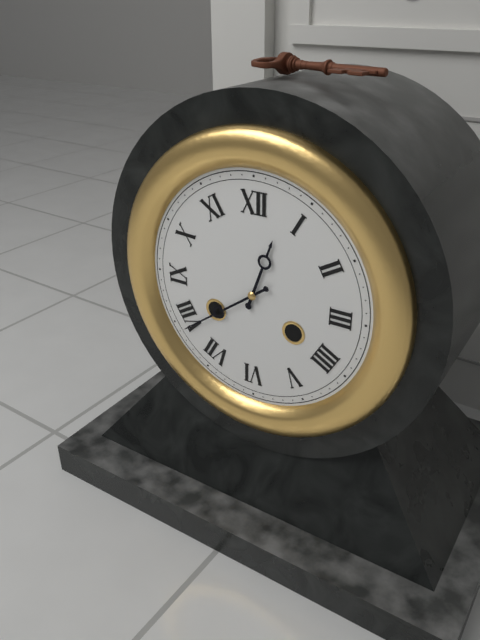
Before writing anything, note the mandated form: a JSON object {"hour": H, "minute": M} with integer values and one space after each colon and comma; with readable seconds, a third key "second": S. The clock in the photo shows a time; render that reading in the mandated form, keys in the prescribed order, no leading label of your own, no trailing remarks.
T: {"hour": 12, "minute": 39}
